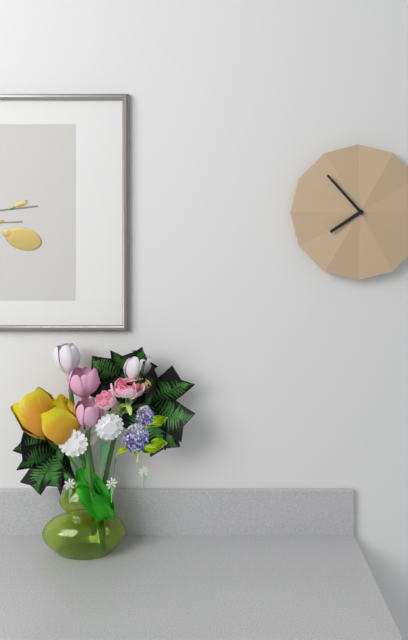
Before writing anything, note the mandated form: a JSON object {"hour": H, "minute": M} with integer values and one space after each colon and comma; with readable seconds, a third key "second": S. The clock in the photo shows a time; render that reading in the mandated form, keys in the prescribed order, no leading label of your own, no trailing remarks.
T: {"hour": 7, "minute": 53}
